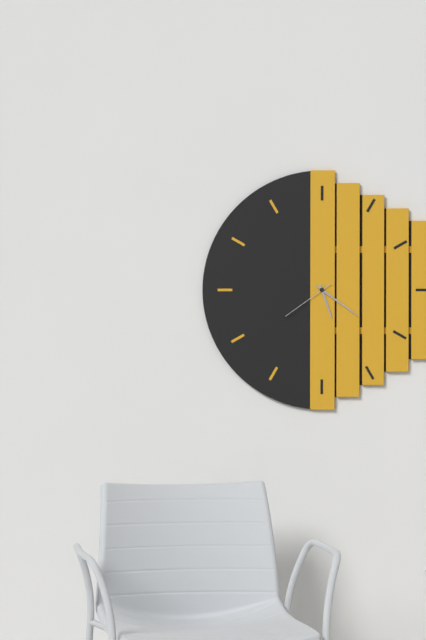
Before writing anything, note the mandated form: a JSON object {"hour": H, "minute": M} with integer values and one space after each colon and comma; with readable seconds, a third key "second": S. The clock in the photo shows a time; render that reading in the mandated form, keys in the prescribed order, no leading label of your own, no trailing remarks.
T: {"hour": 5, "minute": 21, "second": 39}
